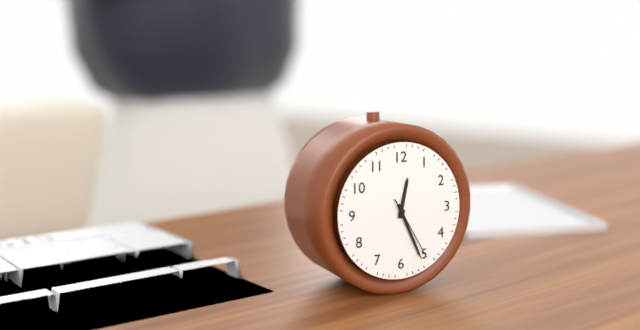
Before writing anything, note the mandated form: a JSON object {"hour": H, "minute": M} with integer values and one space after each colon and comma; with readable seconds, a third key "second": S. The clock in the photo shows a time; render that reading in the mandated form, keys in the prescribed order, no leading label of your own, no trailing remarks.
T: {"hour": 12, "minute": 26, "second": 25}
